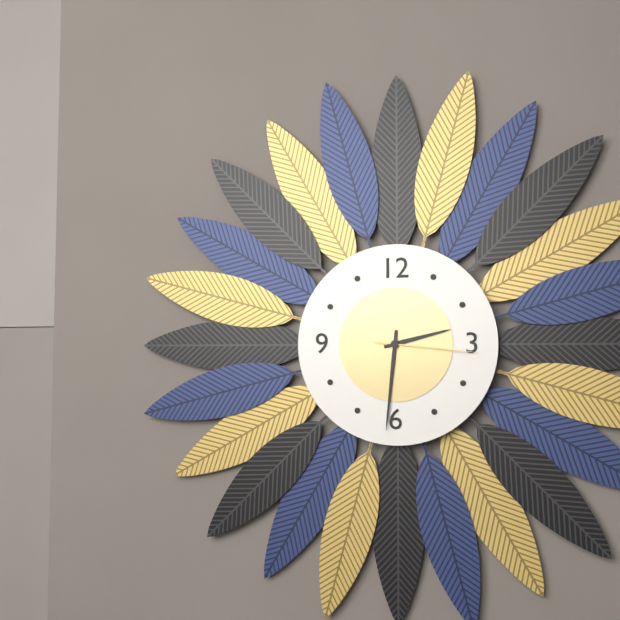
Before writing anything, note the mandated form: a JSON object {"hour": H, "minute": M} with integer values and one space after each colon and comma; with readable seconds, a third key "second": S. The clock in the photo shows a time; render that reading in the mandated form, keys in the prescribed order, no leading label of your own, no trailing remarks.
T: {"hour": 2, "minute": 31, "second": 16}
